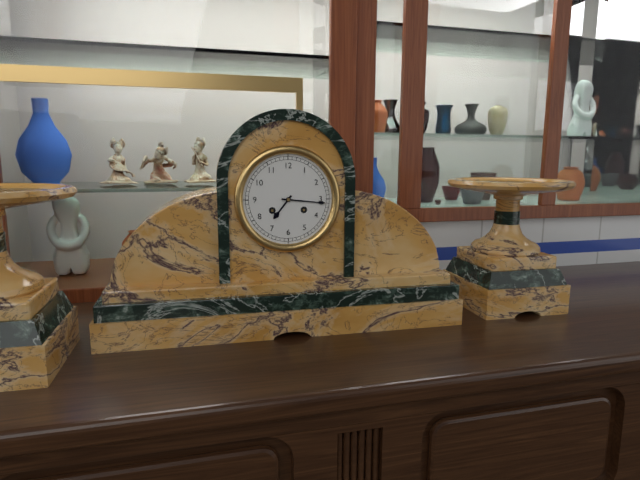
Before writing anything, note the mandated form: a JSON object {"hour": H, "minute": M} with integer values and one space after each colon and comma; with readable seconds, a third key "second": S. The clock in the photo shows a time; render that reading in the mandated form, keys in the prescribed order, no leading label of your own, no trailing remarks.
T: {"hour": 7, "minute": 16}
